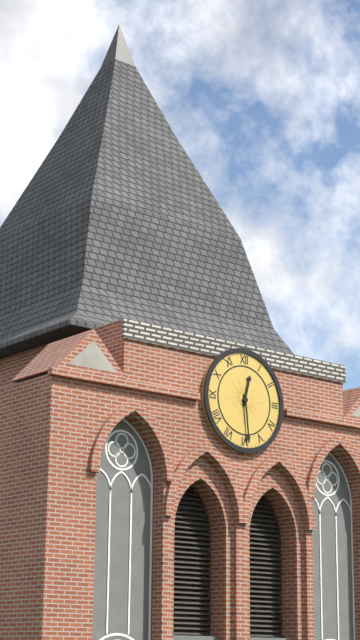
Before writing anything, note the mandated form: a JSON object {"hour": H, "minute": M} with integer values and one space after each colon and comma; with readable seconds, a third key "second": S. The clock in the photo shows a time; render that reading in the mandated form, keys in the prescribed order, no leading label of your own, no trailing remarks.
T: {"hour": 12, "minute": 29}
